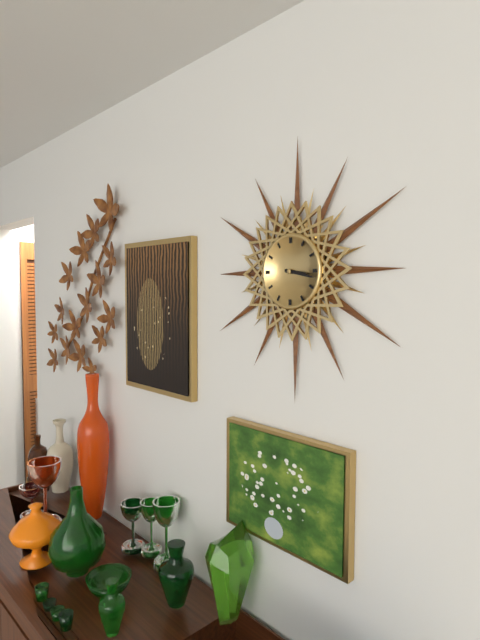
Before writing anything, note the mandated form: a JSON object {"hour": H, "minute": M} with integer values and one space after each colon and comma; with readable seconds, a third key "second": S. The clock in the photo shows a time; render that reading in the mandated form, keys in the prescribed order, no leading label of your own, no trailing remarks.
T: {"hour": 3, "minute": 17}
